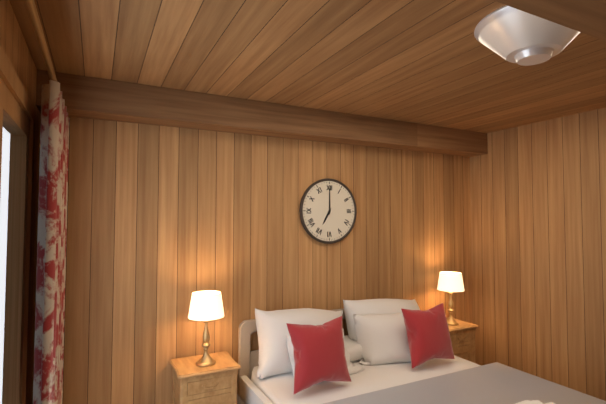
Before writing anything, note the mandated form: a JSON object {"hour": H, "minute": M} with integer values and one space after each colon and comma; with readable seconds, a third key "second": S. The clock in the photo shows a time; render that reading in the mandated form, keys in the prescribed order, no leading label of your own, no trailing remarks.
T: {"hour": 7, "minute": 0}
